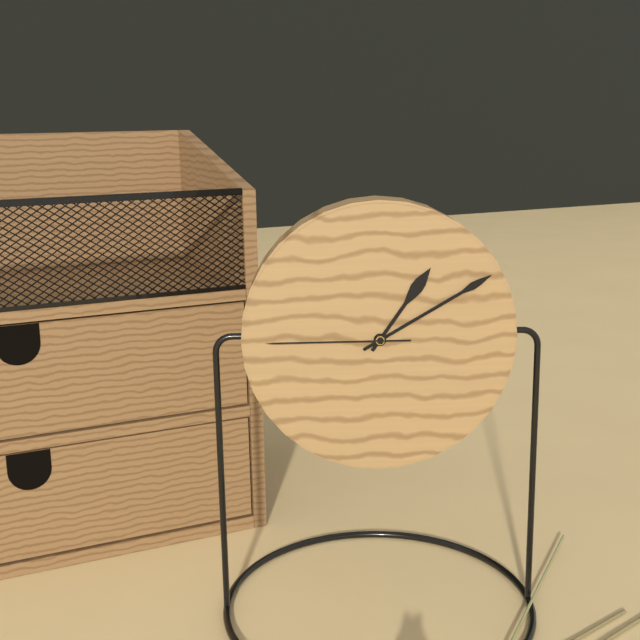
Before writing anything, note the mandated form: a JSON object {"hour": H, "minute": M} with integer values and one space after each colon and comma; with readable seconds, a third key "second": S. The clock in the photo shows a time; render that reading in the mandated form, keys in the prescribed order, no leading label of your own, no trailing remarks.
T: {"hour": 1, "minute": 10, "second": 45}
